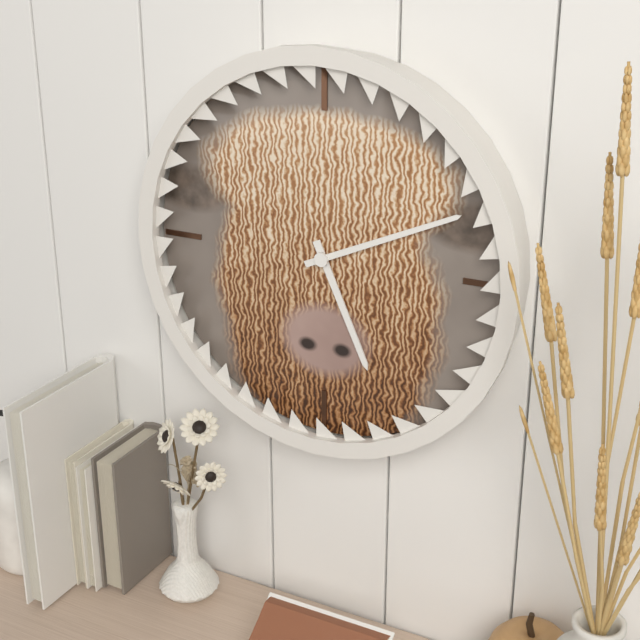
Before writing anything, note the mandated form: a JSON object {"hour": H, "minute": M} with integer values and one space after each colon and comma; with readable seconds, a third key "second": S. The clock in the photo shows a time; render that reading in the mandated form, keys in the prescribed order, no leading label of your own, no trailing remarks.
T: {"hour": 5, "minute": 11}
